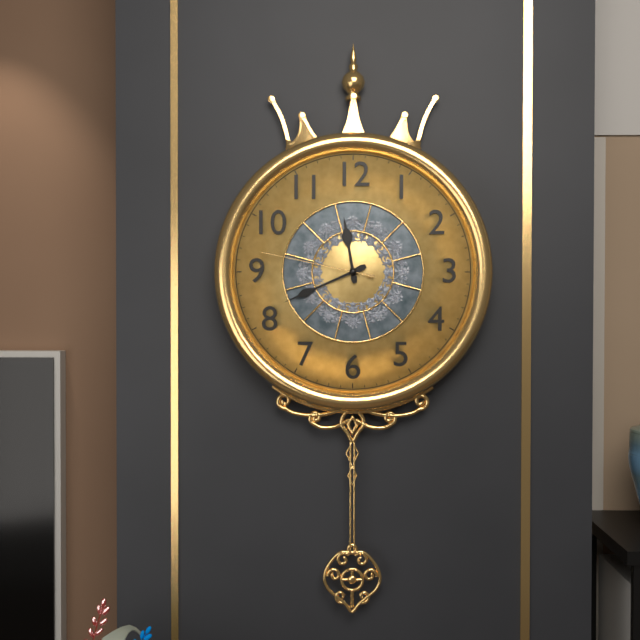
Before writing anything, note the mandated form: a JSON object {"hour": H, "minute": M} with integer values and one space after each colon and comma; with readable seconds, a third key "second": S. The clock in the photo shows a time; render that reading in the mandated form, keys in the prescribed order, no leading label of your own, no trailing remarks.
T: {"hour": 11, "minute": 41, "second": 47}
